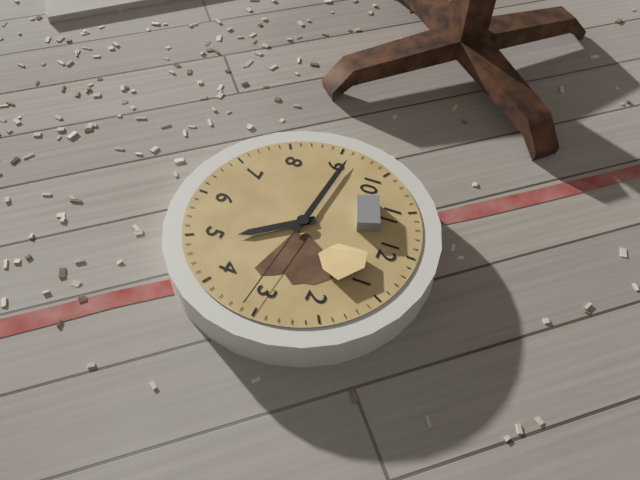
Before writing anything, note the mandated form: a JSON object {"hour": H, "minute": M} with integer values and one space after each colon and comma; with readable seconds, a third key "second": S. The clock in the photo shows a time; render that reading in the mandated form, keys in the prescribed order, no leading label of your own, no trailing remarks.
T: {"hour": 4, "minute": 46, "second": 16}
